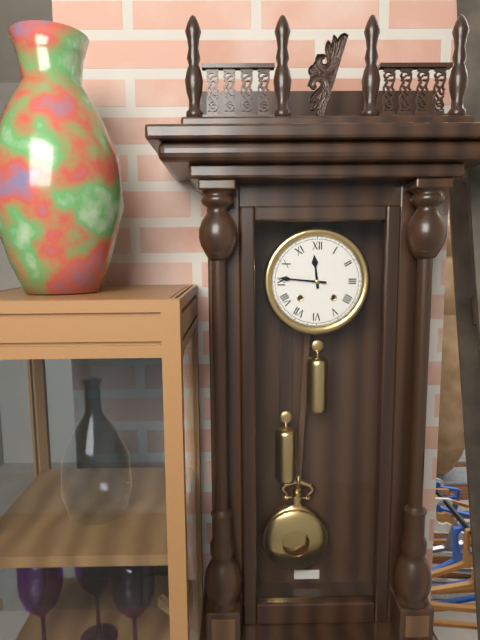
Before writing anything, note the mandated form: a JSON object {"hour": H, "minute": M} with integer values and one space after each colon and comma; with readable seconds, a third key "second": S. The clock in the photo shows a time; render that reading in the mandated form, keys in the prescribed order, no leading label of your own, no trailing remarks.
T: {"hour": 11, "minute": 46}
